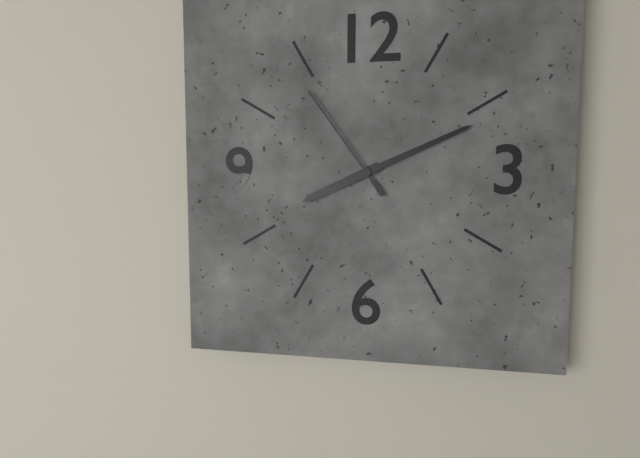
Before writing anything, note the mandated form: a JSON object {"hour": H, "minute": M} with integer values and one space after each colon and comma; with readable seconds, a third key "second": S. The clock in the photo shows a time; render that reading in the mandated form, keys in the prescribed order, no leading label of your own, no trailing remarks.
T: {"hour": 8, "minute": 11, "second": 54}
